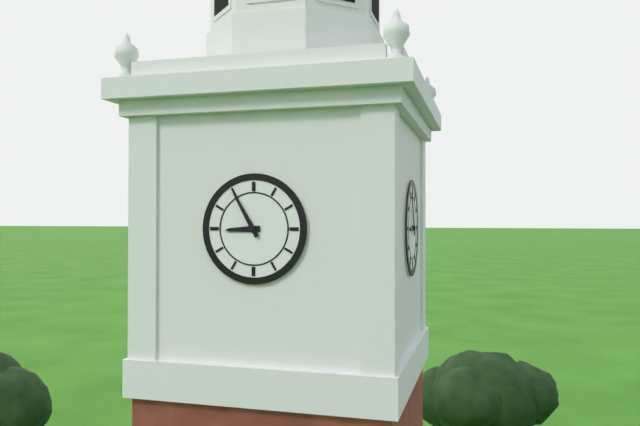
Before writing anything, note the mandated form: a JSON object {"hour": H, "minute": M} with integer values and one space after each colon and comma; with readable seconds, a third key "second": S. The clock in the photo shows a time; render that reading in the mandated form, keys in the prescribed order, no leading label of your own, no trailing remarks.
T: {"hour": 8, "minute": 55}
